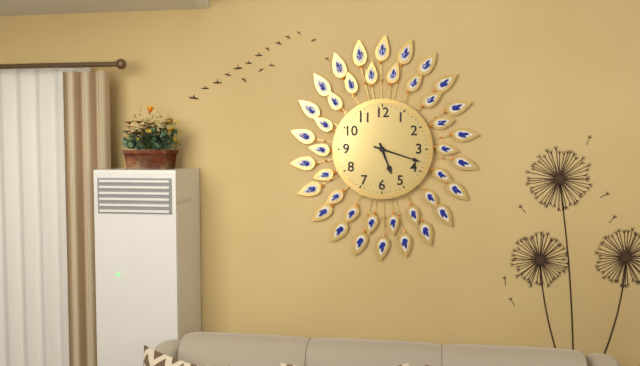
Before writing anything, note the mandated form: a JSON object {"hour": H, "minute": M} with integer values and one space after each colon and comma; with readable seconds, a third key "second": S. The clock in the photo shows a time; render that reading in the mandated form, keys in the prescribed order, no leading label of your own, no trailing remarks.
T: {"hour": 5, "minute": 18}
